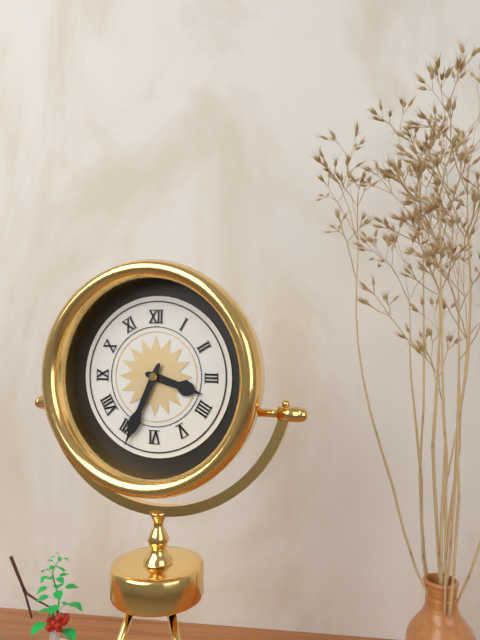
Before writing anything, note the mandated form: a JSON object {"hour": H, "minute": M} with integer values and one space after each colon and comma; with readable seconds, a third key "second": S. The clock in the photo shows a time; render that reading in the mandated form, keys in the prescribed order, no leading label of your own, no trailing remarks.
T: {"hour": 3, "minute": 34}
